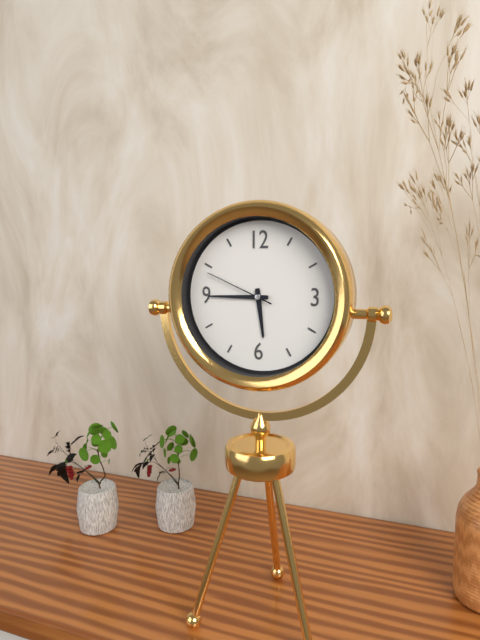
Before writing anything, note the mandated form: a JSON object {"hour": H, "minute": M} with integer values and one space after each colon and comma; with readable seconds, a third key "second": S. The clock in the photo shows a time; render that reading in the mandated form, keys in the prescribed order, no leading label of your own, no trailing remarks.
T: {"hour": 5, "minute": 45, "second": 49}
